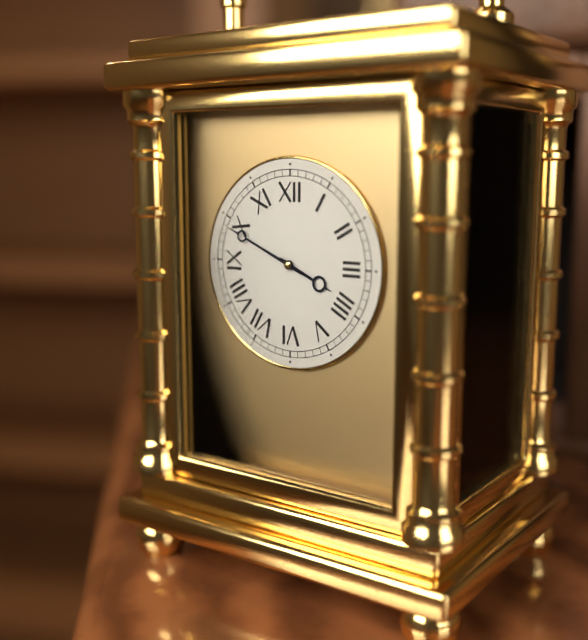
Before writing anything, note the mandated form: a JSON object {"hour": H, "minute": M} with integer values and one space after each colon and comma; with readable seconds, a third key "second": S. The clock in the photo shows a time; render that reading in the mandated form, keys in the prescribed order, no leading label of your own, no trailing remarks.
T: {"hour": 3, "minute": 49}
